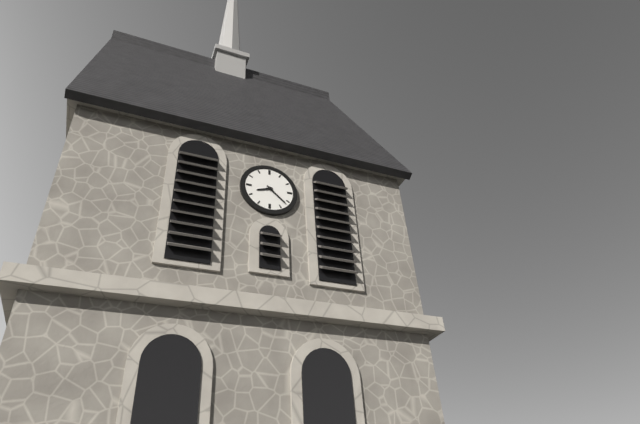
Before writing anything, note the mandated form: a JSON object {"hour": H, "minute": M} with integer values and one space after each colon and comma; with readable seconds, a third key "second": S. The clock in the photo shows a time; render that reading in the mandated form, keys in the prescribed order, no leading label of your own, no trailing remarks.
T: {"hour": 8, "minute": 22}
